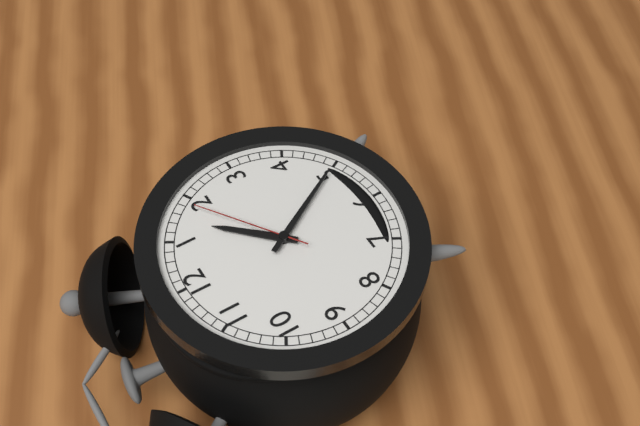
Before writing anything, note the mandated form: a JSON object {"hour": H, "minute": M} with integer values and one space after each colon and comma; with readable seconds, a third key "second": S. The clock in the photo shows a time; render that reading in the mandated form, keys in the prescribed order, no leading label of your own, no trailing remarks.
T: {"hour": 1, "minute": 25, "second": 9}
